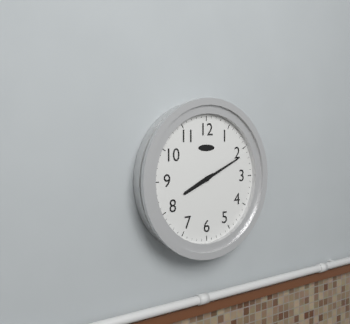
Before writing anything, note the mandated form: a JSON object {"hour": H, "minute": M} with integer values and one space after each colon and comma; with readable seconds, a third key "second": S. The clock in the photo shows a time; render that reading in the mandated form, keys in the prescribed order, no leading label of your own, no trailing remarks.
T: {"hour": 8, "minute": 11}
